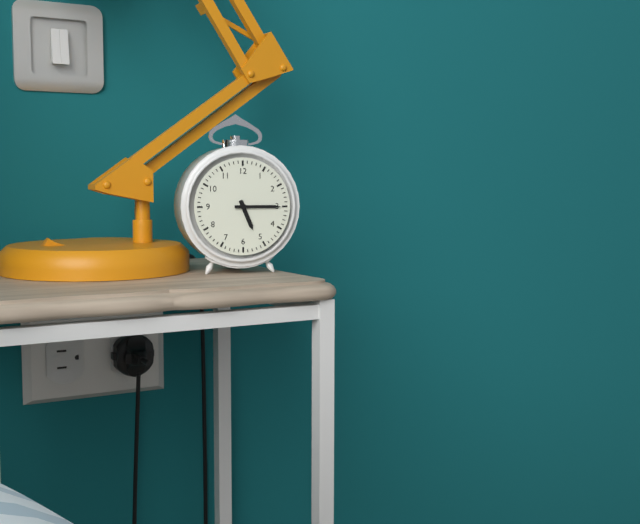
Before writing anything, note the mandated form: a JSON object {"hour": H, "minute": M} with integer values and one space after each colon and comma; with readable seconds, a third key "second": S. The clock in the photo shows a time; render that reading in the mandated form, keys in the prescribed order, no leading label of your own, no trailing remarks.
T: {"hour": 5, "minute": 15}
